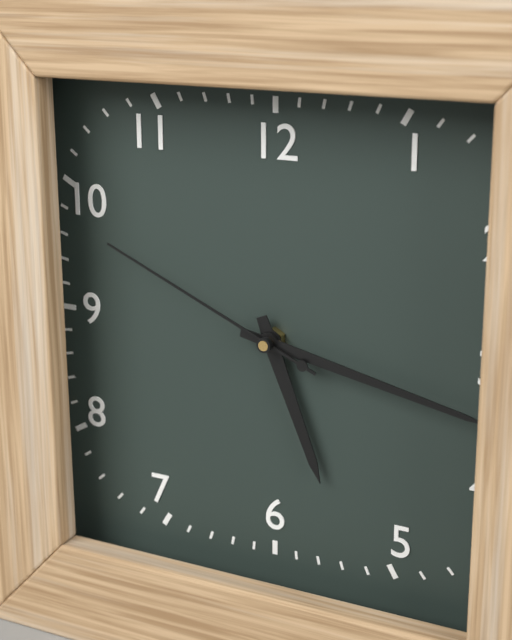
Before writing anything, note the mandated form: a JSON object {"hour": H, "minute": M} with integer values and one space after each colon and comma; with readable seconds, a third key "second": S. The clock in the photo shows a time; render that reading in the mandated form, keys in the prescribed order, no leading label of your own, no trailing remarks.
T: {"hour": 5, "minute": 17, "second": 49}
